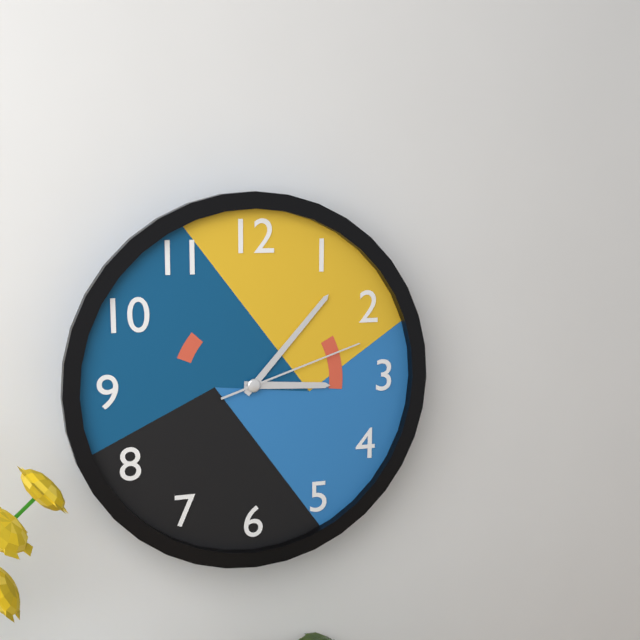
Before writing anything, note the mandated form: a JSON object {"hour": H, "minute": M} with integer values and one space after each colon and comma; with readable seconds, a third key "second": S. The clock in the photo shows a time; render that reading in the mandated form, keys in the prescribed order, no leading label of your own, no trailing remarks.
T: {"hour": 3, "minute": 7, "second": 12}
